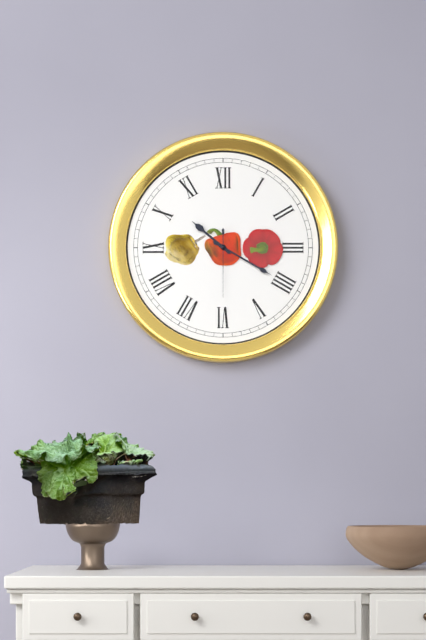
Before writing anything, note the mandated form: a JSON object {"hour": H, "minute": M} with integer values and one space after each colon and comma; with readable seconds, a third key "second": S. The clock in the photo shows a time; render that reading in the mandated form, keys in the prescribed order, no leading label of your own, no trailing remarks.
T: {"hour": 10, "minute": 20, "second": 30}
